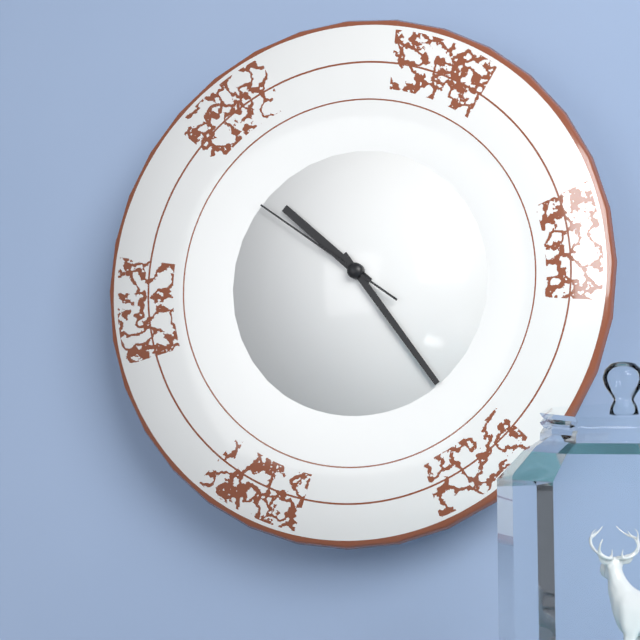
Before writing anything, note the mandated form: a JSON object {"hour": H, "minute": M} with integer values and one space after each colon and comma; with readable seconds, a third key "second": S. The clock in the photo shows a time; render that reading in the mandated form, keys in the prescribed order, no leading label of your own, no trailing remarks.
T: {"hour": 10, "minute": 24, "second": 51}
